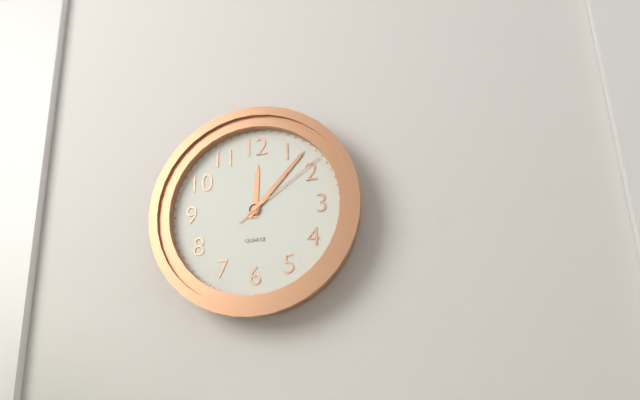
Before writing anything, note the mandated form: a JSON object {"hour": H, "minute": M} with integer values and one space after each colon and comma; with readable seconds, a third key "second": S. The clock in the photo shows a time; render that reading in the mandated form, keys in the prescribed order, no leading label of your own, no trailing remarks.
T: {"hour": 12, "minute": 7, "second": 9}
